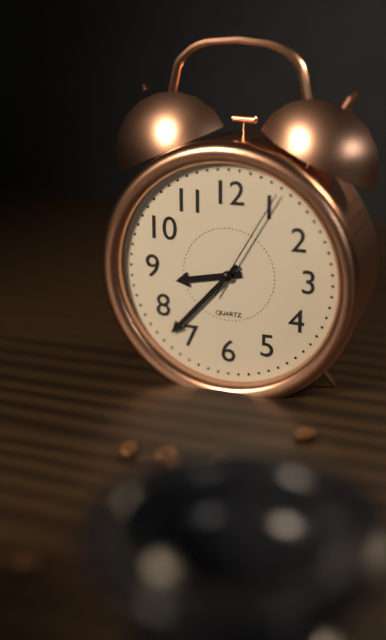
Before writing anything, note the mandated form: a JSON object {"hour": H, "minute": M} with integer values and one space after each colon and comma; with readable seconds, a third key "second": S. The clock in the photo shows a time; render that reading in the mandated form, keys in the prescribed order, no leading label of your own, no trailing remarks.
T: {"hour": 8, "minute": 37, "second": 5}
